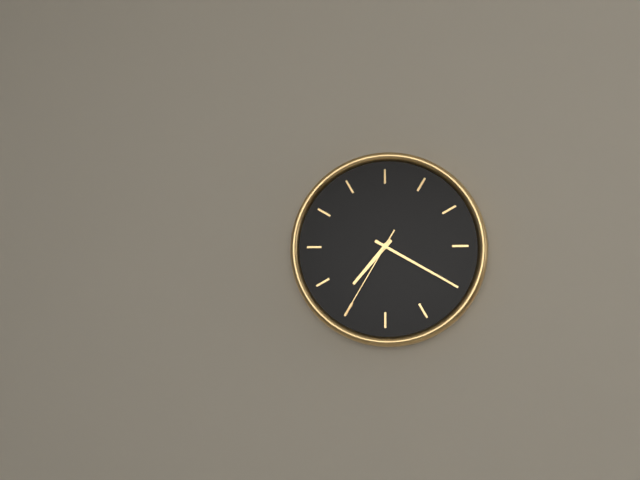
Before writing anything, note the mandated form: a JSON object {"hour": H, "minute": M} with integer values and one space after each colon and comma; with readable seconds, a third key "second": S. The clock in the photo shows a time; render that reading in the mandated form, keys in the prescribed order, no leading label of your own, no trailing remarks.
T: {"hour": 7, "minute": 20, "second": 35}
